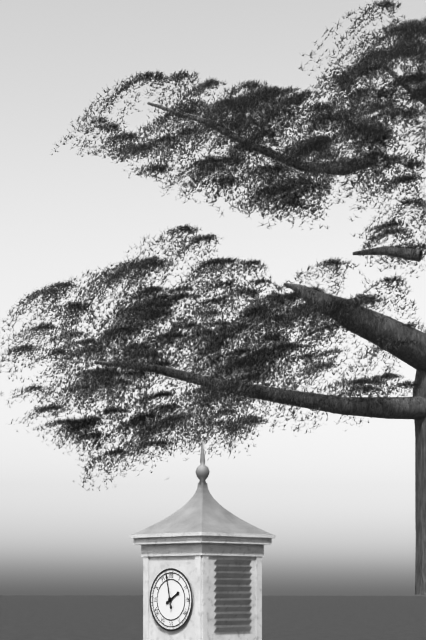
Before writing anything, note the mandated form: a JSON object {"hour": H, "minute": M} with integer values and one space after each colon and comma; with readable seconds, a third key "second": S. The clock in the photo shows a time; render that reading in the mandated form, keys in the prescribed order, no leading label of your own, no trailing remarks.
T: {"hour": 1, "minute": 58}
